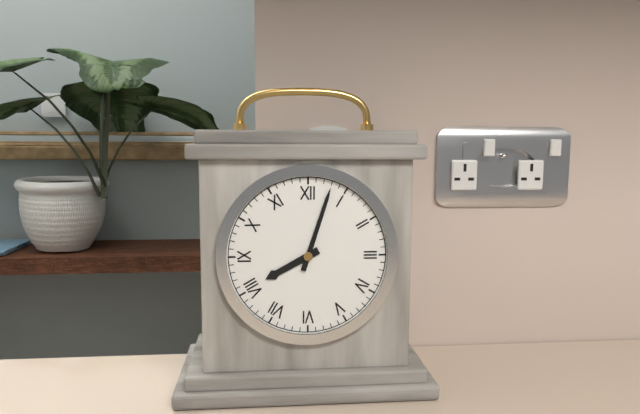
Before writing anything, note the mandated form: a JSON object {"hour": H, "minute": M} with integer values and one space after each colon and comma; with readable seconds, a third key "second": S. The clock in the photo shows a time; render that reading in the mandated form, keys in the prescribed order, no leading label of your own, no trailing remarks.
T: {"hour": 8, "minute": 3}
